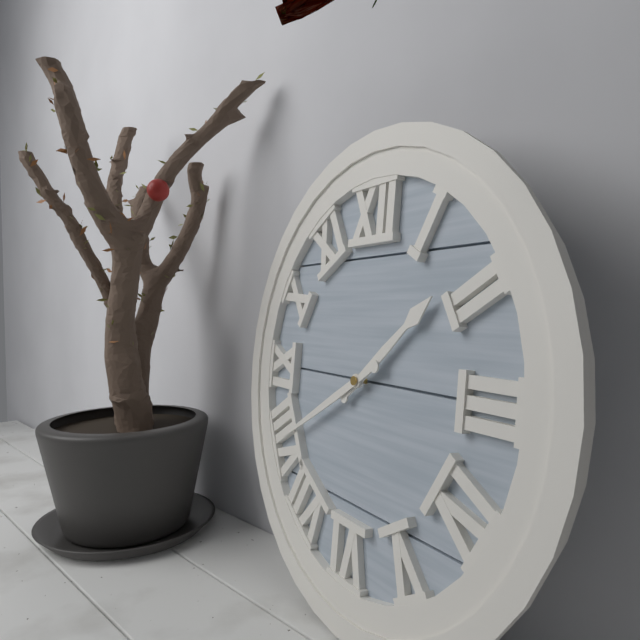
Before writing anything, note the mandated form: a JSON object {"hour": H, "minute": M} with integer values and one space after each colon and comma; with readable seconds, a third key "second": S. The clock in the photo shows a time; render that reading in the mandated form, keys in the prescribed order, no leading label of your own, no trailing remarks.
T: {"hour": 1, "minute": 40}
